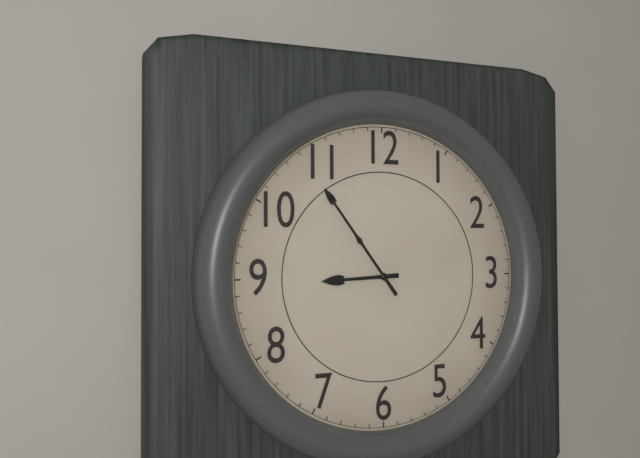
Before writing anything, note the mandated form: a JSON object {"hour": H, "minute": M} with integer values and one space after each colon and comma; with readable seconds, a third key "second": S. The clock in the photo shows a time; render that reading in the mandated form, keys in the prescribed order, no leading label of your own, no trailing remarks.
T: {"hour": 8, "minute": 54}
